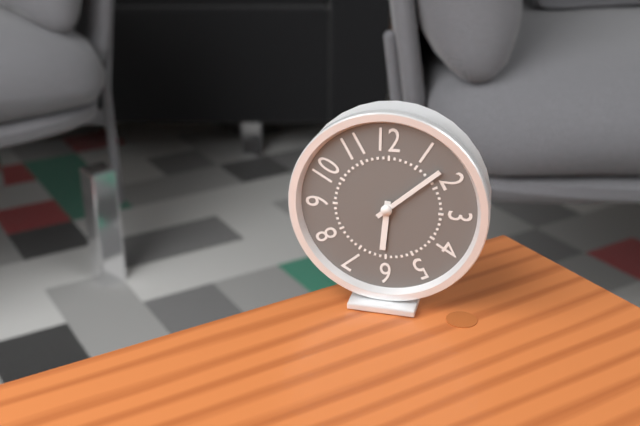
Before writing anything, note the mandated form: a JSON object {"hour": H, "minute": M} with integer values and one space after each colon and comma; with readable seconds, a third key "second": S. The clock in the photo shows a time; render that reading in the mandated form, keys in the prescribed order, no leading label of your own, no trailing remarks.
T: {"hour": 6, "minute": 8}
